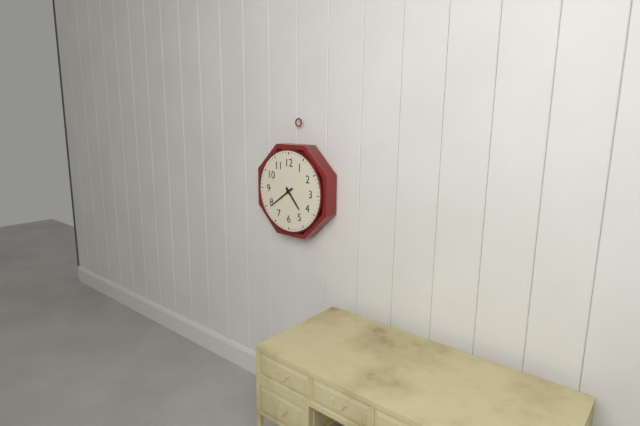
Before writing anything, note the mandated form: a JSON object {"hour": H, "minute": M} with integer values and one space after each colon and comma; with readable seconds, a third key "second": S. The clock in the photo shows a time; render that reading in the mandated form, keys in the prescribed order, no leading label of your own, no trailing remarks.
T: {"hour": 4, "minute": 39}
